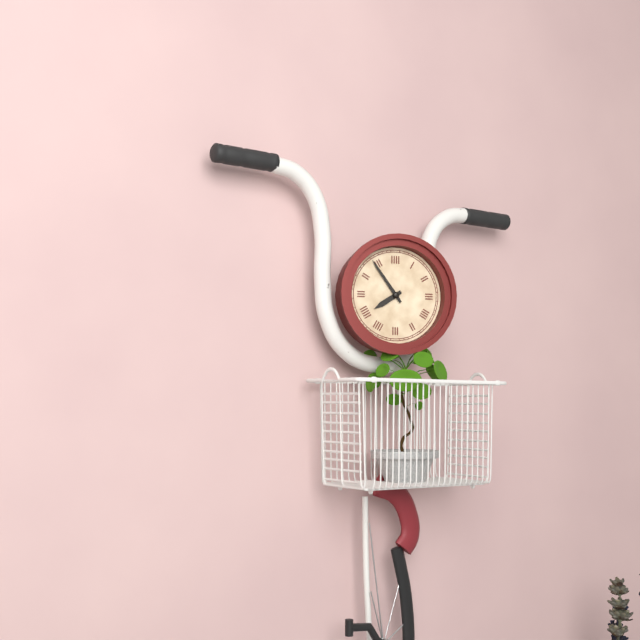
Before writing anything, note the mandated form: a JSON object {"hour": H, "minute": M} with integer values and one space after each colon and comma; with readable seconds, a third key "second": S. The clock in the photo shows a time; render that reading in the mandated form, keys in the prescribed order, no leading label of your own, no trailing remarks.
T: {"hour": 7, "minute": 54}
